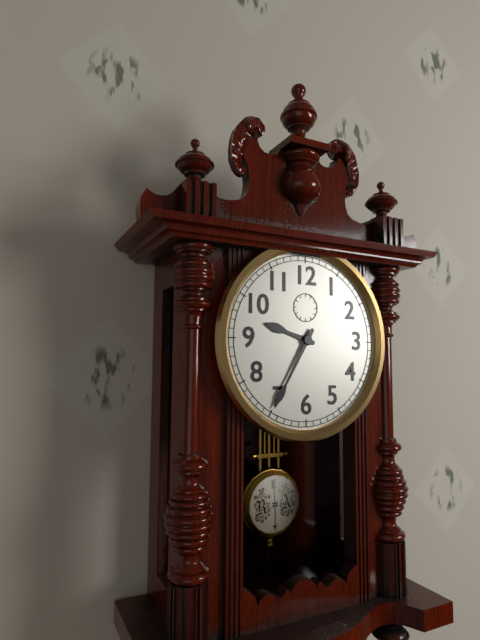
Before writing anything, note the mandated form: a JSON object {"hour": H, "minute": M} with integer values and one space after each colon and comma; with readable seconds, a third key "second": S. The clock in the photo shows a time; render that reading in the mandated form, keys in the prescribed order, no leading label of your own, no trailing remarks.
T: {"hour": 9, "minute": 35}
